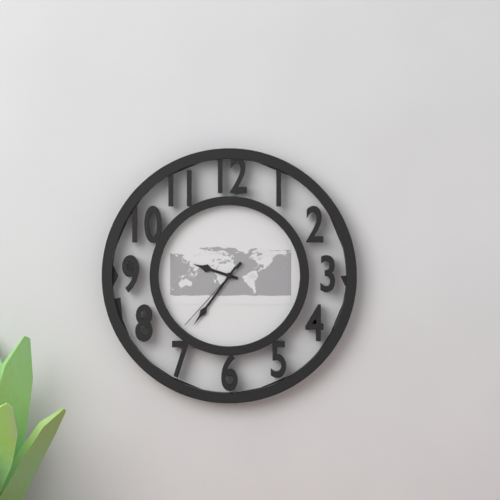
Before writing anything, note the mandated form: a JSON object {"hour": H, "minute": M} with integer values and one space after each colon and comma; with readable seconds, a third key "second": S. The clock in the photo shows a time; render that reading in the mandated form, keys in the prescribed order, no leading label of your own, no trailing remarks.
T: {"hour": 9, "minute": 36, "second": 37}
